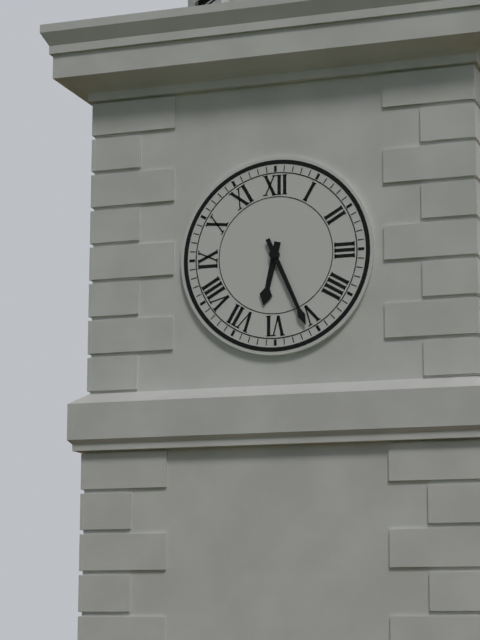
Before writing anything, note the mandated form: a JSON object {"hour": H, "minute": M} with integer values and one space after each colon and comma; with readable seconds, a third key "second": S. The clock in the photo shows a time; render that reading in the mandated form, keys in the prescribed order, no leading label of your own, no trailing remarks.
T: {"hour": 6, "minute": 26}
